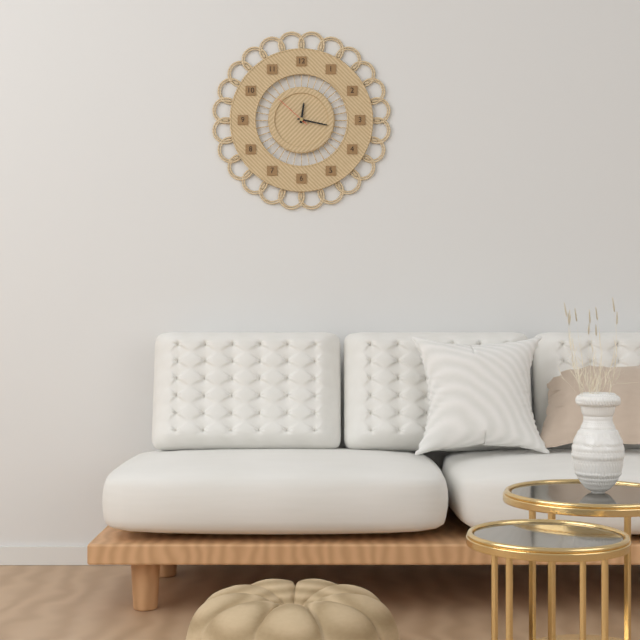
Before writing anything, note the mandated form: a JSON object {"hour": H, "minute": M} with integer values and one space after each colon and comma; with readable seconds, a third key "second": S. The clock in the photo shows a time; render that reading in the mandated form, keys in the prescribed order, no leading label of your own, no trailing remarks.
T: {"hour": 12, "minute": 17}
